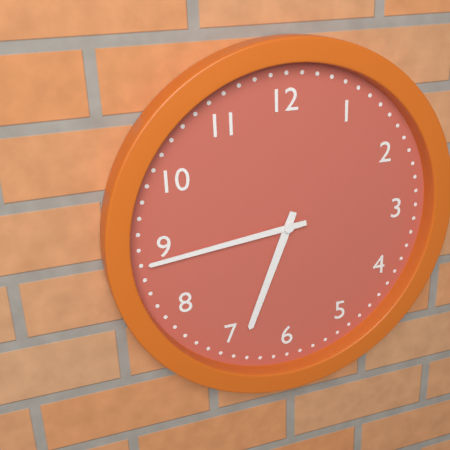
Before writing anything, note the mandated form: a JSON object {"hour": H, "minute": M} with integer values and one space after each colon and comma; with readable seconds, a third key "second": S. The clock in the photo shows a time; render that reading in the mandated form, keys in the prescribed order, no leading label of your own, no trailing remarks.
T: {"hour": 6, "minute": 44}
